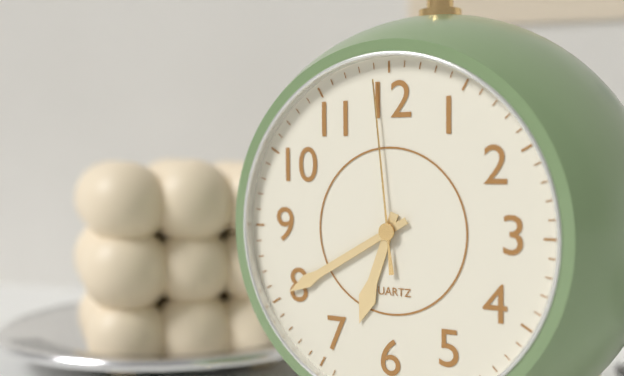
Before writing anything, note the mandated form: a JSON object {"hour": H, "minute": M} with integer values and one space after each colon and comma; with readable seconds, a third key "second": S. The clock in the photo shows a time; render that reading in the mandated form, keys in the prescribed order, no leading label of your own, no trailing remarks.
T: {"hour": 6, "minute": 40, "second": 59}
